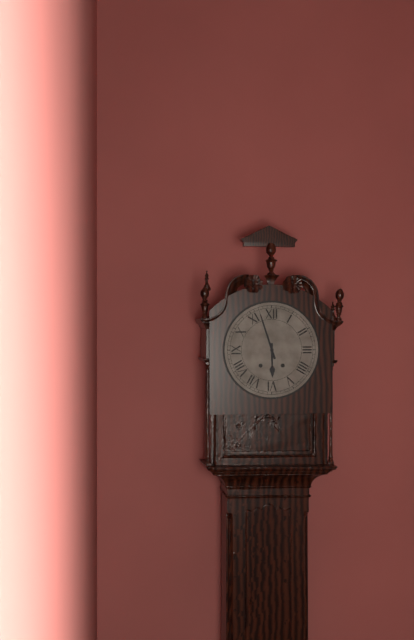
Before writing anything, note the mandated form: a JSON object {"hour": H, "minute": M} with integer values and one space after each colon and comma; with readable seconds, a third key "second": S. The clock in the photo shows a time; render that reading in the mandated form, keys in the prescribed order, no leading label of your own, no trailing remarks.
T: {"hour": 5, "minute": 57}
